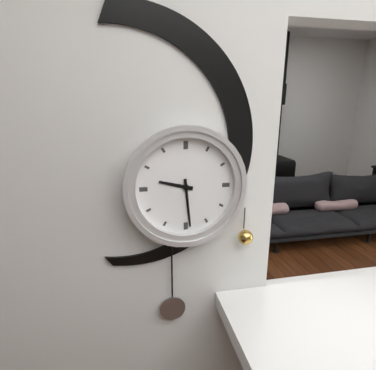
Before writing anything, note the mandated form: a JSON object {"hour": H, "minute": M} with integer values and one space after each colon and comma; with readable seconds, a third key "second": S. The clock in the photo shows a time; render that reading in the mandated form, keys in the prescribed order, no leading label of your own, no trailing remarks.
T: {"hour": 9, "minute": 29}
